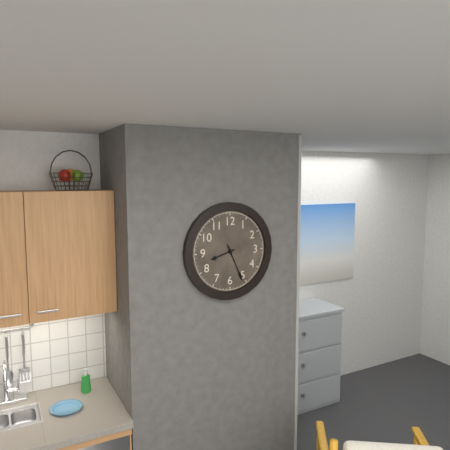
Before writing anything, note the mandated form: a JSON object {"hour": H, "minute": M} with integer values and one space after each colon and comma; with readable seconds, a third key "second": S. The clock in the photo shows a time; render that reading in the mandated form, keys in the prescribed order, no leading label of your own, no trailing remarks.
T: {"hour": 8, "minute": 26}
